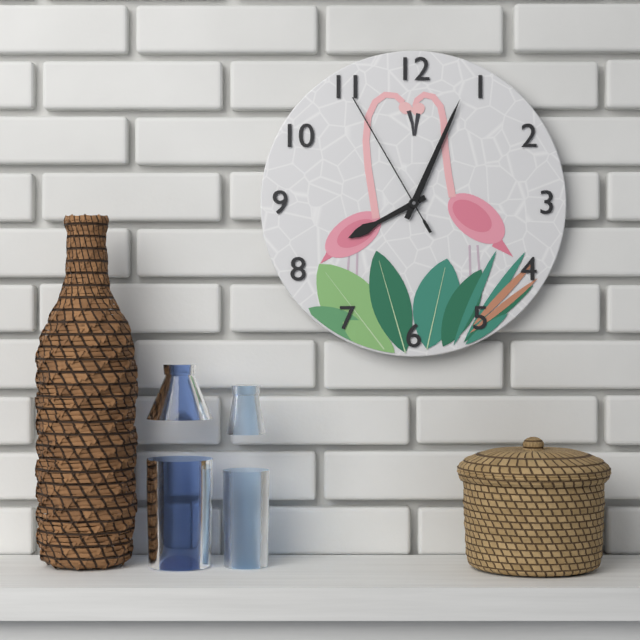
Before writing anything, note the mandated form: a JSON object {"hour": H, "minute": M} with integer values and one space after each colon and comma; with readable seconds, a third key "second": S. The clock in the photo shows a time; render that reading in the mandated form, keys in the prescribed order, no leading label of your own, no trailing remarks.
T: {"hour": 8, "minute": 4, "second": 55}
